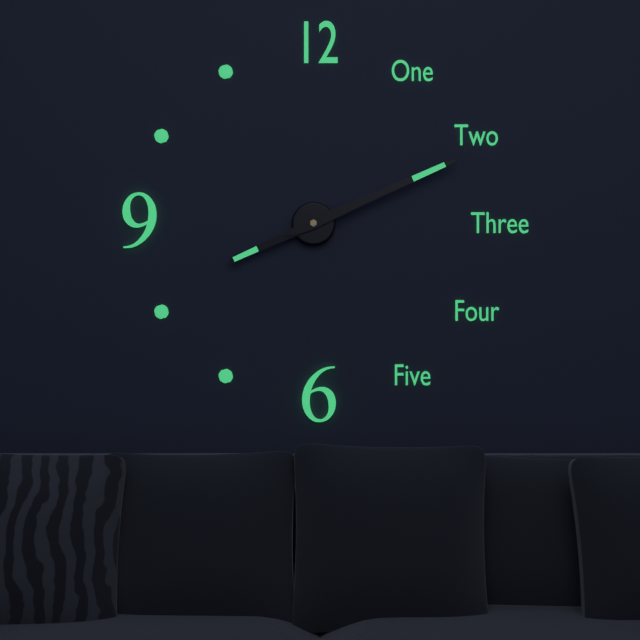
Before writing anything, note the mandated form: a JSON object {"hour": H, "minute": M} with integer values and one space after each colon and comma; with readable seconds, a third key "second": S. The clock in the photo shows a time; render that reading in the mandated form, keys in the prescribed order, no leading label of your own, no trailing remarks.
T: {"hour": 8, "minute": 11}
